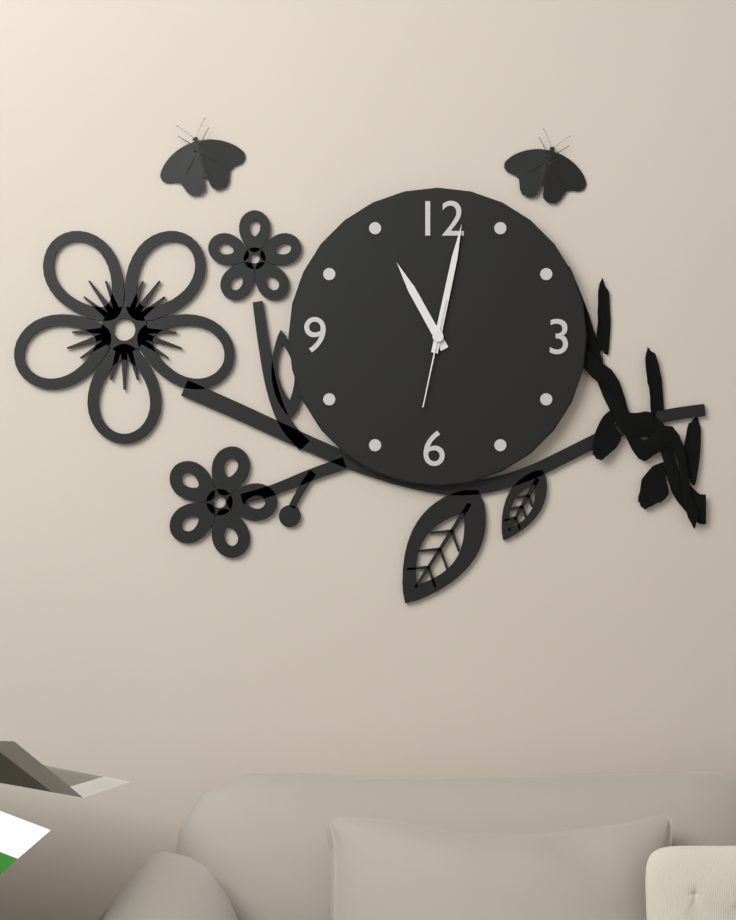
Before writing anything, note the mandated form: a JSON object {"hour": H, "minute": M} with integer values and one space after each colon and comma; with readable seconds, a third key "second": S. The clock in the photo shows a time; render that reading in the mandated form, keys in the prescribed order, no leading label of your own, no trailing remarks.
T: {"hour": 11, "minute": 2, "second": 32}
